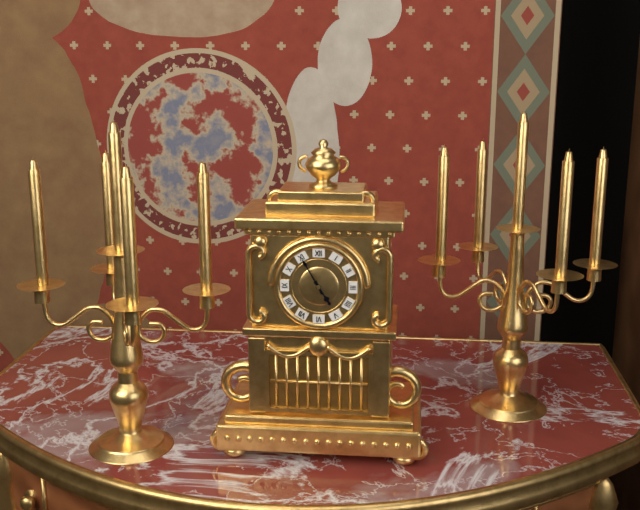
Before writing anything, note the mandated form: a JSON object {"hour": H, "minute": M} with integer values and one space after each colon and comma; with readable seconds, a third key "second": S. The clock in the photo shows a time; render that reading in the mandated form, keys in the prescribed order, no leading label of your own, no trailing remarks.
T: {"hour": 4, "minute": 55}
